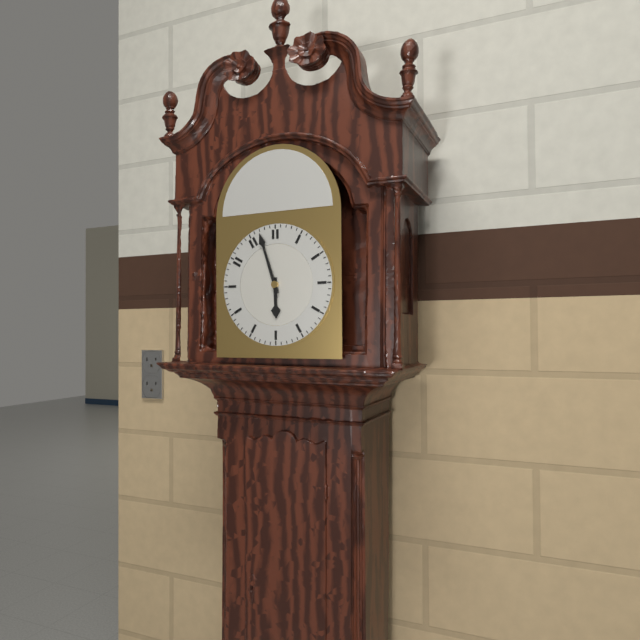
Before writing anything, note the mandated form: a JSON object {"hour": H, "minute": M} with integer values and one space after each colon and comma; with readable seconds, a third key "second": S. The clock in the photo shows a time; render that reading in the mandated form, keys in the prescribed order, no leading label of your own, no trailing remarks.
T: {"hour": 5, "minute": 57}
